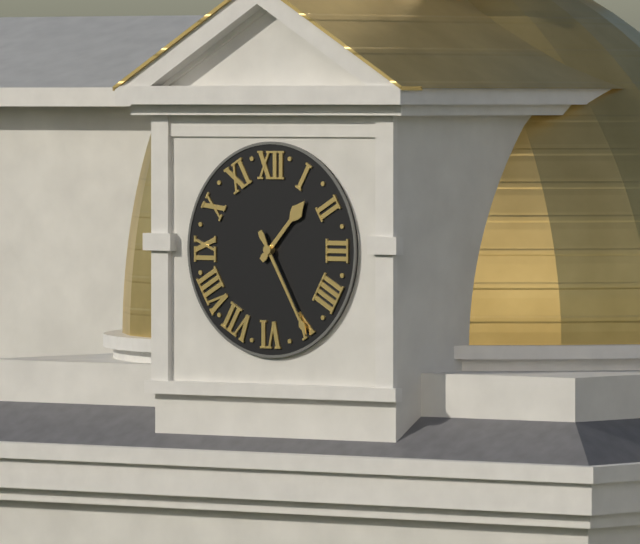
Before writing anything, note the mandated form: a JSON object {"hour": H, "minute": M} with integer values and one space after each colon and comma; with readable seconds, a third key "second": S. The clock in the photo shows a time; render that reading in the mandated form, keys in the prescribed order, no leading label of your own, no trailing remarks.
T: {"hour": 1, "minute": 25}
